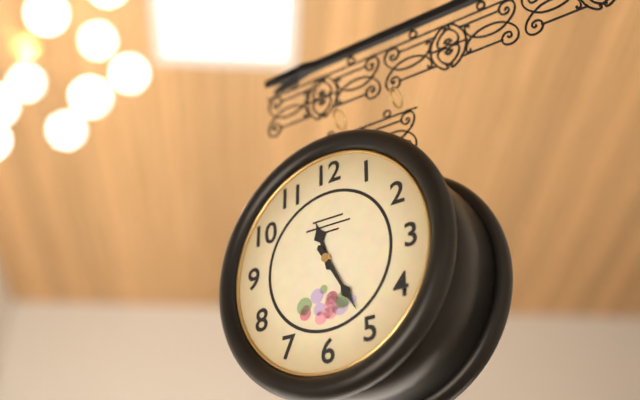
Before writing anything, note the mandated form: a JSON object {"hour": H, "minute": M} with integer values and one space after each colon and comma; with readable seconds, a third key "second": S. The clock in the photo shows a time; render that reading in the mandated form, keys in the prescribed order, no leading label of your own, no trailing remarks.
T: {"hour": 11, "minute": 25}
